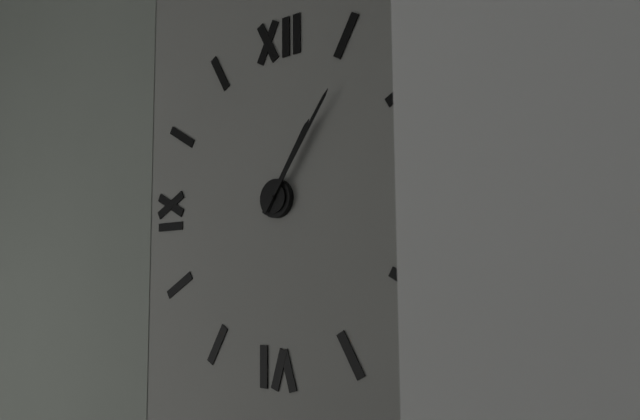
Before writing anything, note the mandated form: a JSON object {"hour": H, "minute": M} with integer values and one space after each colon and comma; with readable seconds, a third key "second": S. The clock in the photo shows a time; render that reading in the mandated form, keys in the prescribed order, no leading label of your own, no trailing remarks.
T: {"hour": 1, "minute": 6}
